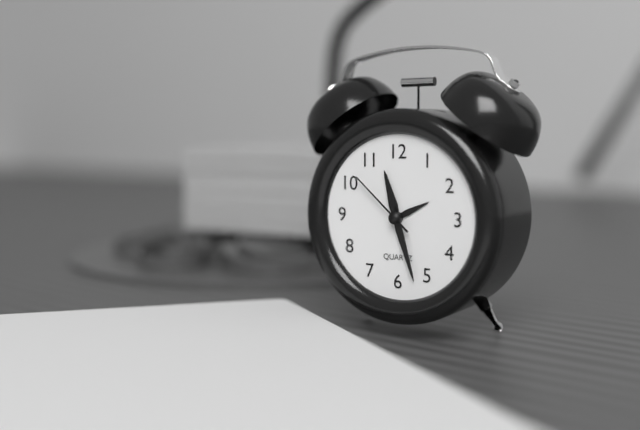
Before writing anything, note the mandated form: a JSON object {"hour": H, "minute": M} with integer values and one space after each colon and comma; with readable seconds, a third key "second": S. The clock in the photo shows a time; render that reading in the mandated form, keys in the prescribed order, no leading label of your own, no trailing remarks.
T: {"hour": 11, "minute": 27, "second": 52}
